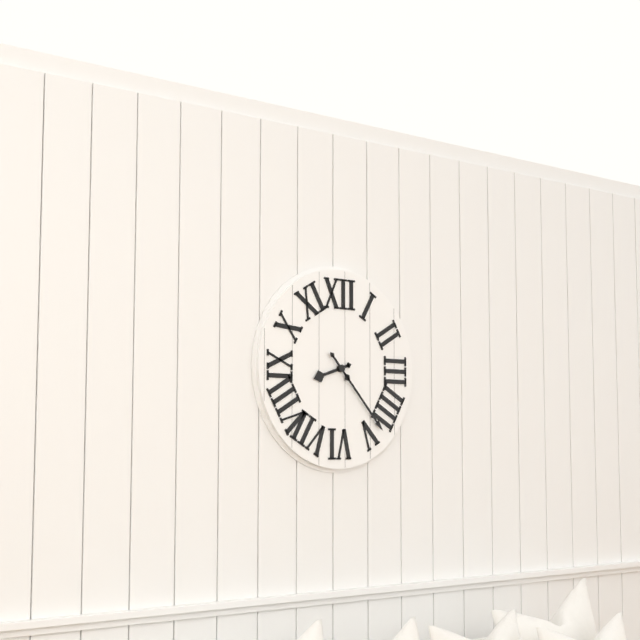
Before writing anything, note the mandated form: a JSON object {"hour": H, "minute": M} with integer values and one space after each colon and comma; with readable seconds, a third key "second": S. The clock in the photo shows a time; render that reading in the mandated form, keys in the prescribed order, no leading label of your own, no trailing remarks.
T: {"hour": 8, "minute": 23}
